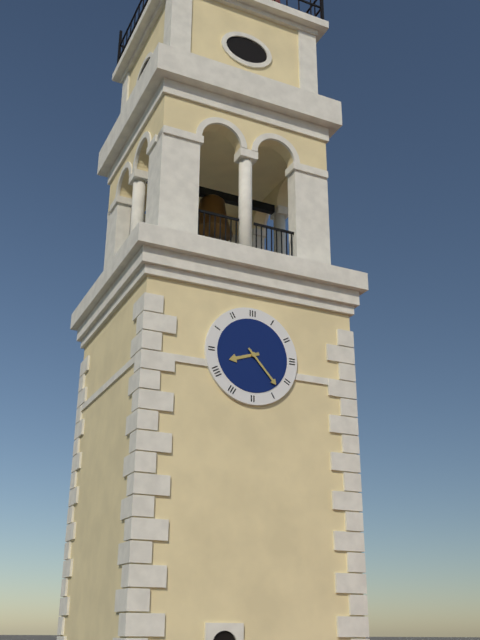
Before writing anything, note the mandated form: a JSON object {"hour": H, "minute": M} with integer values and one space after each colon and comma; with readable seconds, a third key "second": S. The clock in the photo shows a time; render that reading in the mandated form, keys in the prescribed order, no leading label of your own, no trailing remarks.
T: {"hour": 8, "minute": 23}
